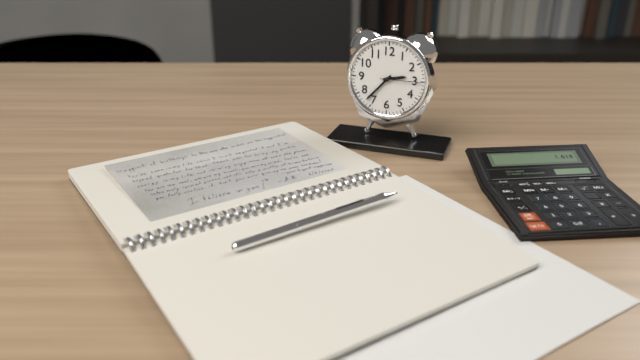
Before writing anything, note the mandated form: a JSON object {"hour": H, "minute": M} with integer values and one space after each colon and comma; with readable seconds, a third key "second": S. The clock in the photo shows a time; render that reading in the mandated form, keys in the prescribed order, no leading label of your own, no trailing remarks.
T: {"hour": 2, "minute": 37}
